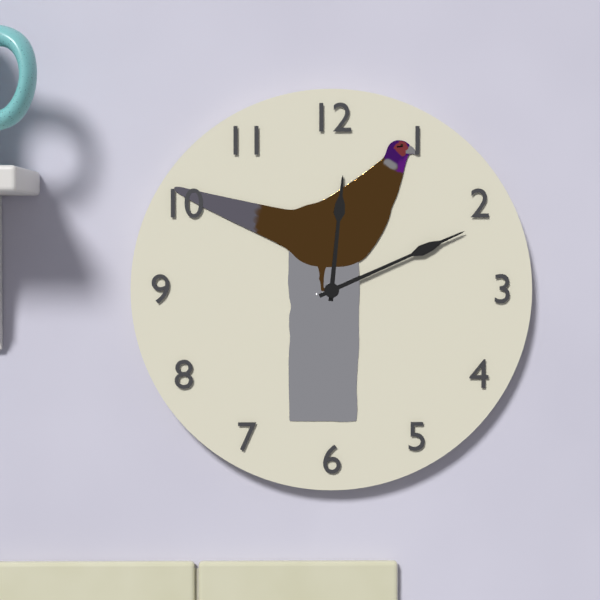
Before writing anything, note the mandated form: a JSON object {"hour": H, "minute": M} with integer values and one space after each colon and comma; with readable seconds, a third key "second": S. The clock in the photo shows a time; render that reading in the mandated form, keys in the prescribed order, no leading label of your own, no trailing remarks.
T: {"hour": 12, "minute": 11}
